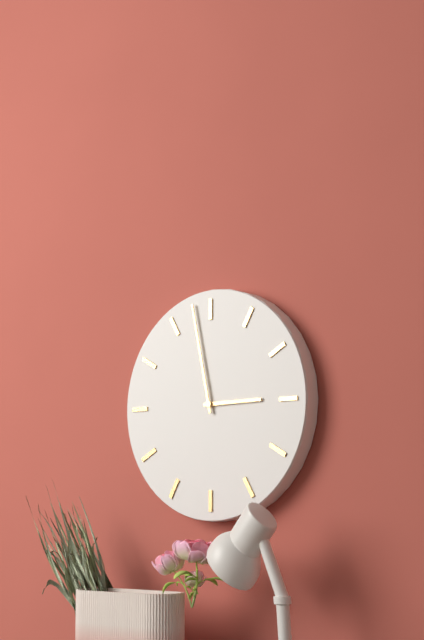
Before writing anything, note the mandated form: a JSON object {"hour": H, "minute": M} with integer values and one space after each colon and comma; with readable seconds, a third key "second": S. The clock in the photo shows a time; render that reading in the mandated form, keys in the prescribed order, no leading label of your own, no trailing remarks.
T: {"hour": 2, "minute": 58}
